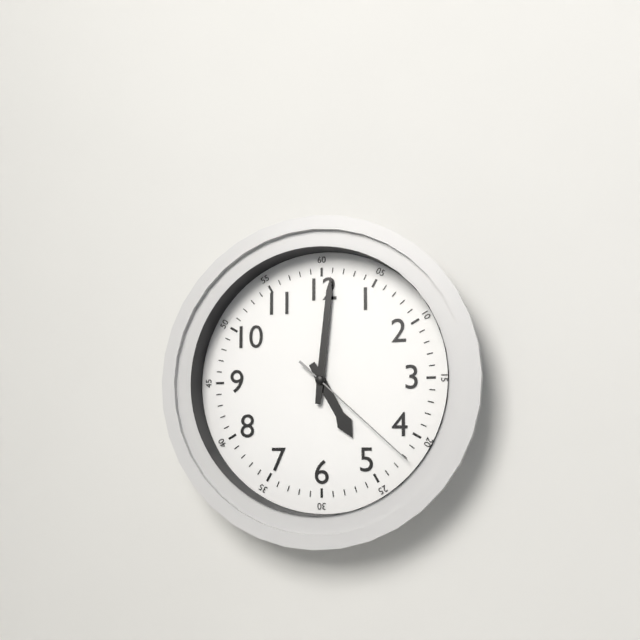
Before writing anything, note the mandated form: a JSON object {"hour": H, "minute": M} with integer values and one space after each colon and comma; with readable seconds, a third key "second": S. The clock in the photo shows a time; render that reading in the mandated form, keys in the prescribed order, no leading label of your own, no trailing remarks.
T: {"hour": 5, "minute": 1, "second": 22}
